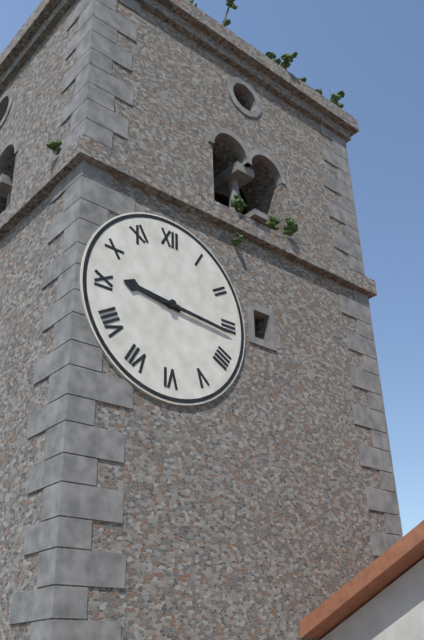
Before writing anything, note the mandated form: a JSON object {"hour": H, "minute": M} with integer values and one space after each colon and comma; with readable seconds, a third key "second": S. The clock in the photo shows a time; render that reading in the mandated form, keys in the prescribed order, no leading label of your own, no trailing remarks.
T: {"hour": 9, "minute": 16}
